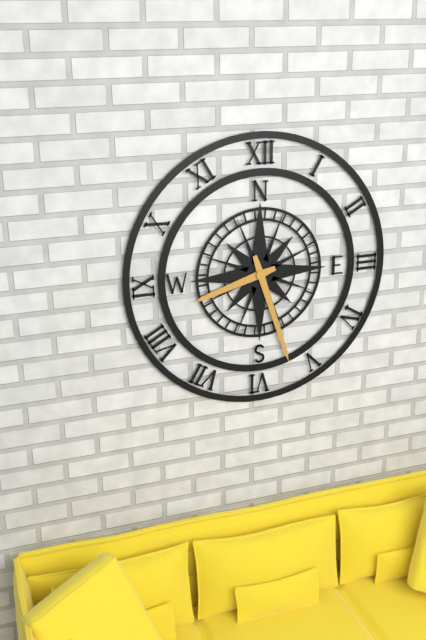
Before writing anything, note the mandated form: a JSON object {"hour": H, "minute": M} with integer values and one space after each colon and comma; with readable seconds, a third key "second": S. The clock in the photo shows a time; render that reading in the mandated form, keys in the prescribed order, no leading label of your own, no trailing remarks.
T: {"hour": 8, "minute": 27}
